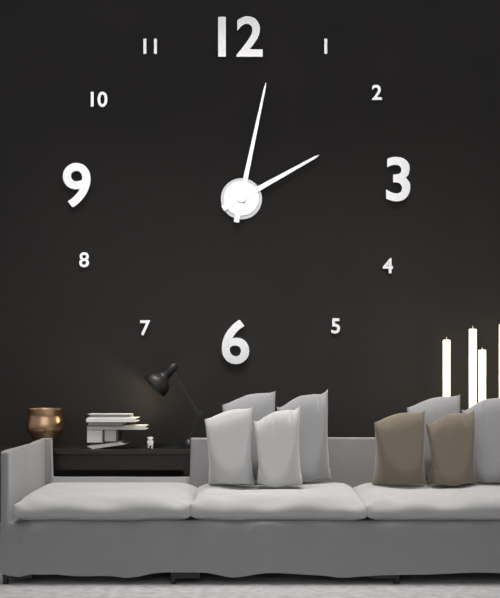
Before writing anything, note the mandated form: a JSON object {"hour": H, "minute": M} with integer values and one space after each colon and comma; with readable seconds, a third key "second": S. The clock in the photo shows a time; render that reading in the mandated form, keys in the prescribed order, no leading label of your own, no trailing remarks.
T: {"hour": 2, "minute": 2}
